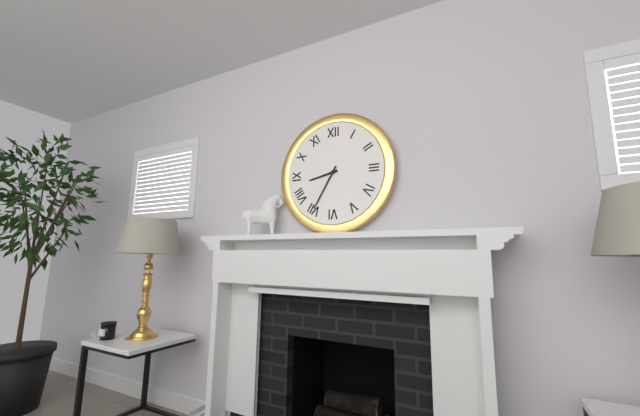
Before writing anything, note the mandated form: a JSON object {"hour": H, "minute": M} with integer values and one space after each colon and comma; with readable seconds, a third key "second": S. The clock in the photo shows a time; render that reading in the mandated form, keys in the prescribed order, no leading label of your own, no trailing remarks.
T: {"hour": 8, "minute": 35}
